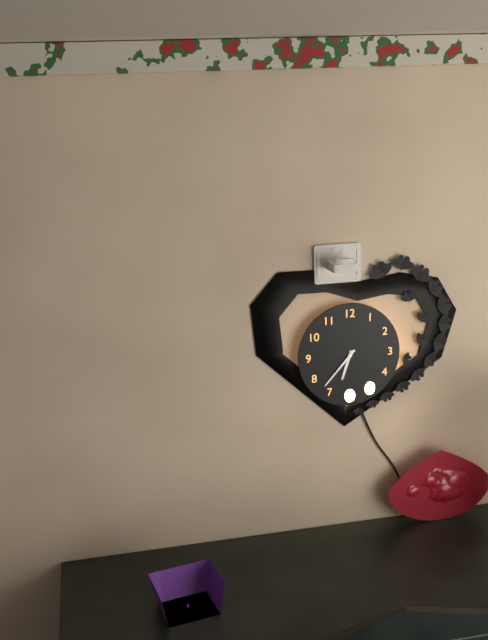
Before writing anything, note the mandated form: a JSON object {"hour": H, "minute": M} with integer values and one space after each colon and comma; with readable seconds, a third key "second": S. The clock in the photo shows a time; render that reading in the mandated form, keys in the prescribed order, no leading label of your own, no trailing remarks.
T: {"hour": 6, "minute": 37}
